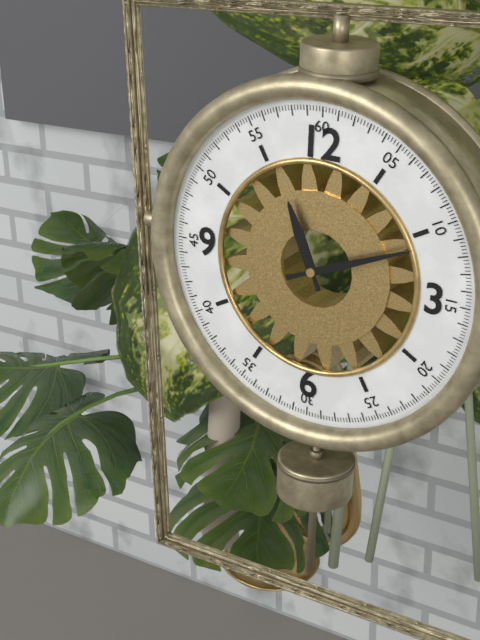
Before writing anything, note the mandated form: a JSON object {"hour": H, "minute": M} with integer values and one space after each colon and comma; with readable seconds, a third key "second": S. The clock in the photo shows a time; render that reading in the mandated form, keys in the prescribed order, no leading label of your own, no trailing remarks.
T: {"hour": 11, "minute": 11}
